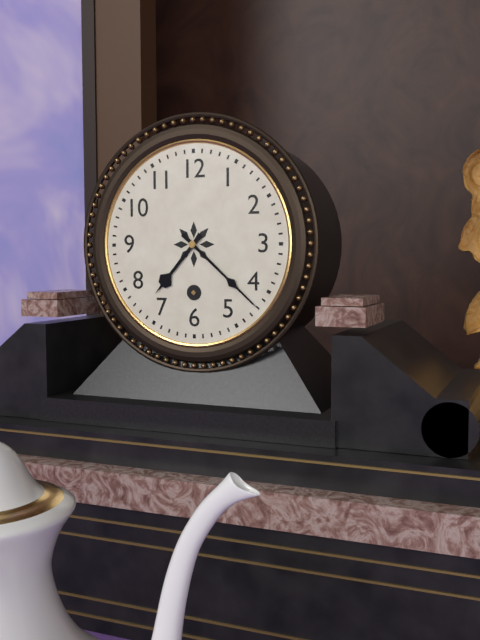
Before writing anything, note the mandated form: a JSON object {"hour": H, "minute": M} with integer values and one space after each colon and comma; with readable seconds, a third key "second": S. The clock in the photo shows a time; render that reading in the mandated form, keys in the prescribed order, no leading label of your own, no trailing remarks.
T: {"hour": 7, "minute": 22}
